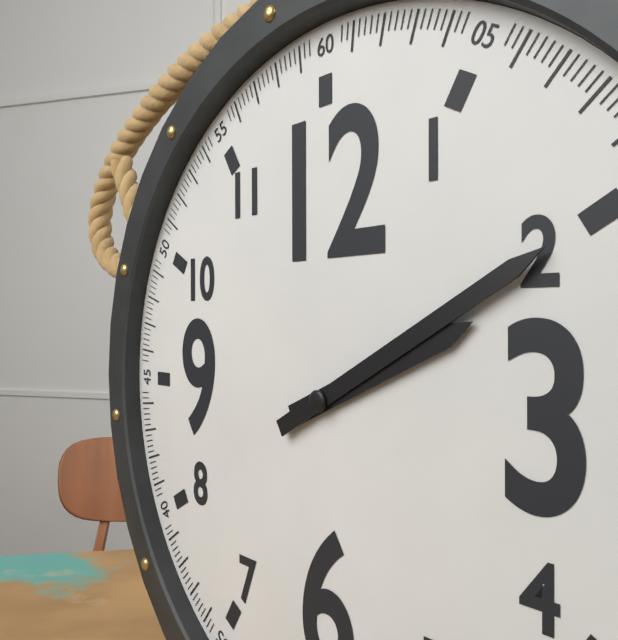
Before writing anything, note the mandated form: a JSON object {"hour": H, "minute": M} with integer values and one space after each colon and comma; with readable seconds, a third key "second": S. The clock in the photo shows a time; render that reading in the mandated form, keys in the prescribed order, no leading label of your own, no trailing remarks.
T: {"hour": 2, "minute": 10}
